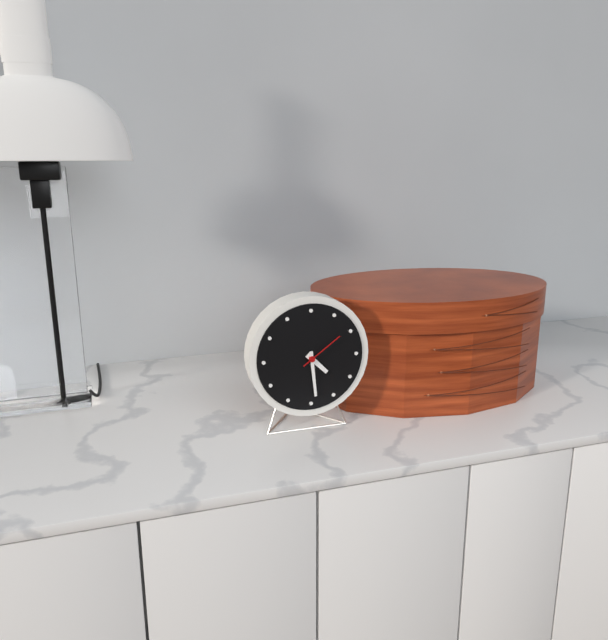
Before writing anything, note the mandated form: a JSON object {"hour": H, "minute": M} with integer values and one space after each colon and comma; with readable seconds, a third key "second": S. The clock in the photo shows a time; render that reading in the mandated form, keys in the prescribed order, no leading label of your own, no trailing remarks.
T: {"hour": 4, "minute": 29}
